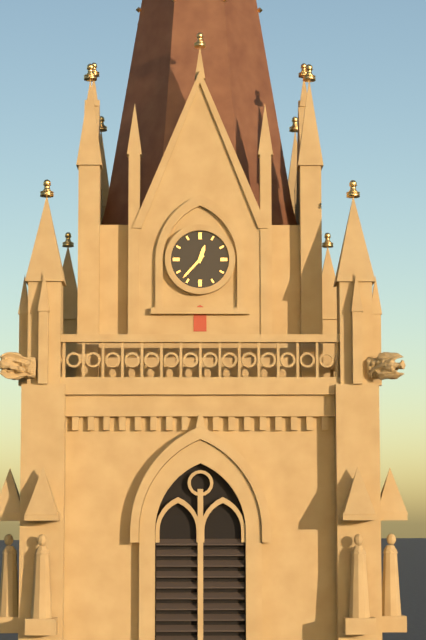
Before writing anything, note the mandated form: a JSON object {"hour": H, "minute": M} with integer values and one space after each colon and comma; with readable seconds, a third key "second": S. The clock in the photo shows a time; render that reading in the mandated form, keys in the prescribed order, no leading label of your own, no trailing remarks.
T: {"hour": 12, "minute": 37}
